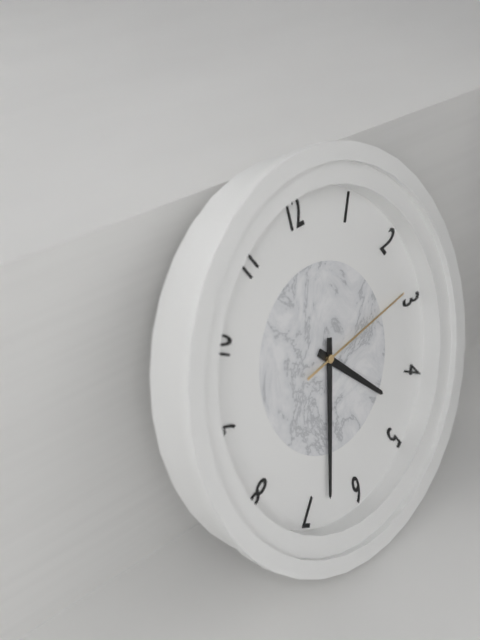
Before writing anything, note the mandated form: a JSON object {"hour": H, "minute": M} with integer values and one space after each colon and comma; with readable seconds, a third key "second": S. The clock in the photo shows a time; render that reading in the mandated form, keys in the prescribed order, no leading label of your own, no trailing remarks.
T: {"hour": 4, "minute": 33, "second": 14}
